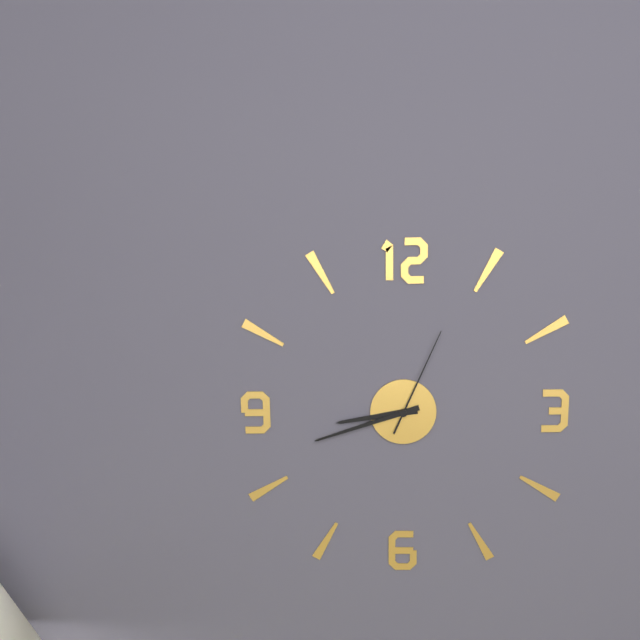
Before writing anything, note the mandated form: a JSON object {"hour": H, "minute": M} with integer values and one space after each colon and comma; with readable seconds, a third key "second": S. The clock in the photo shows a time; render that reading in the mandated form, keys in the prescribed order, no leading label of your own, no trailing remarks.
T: {"hour": 8, "minute": 42, "second": 4}
